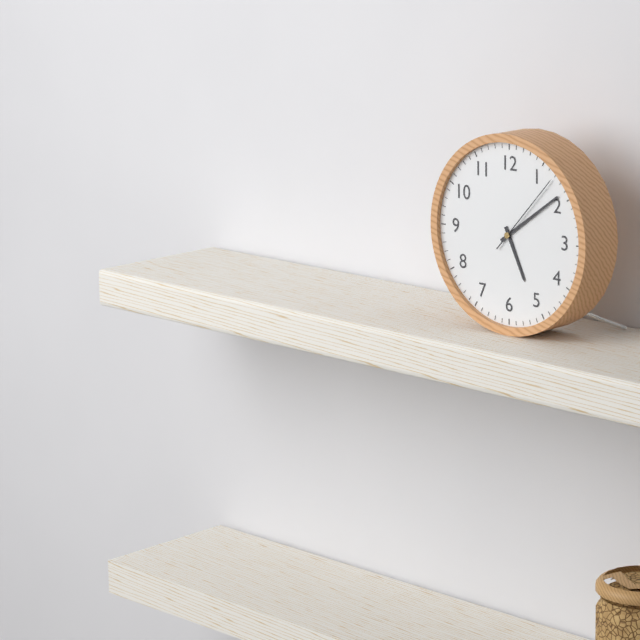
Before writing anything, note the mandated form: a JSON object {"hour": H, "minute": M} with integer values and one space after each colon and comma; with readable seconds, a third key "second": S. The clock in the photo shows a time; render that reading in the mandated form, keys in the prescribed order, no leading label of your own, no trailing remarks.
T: {"hour": 5, "minute": 9, "second": 7}
